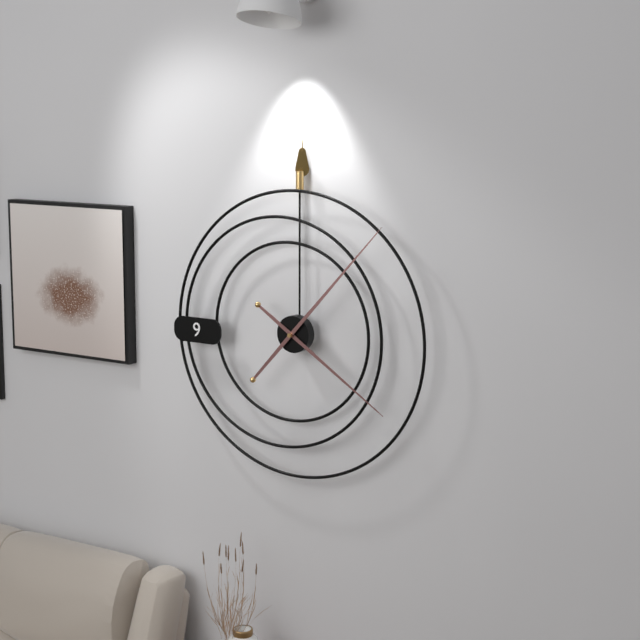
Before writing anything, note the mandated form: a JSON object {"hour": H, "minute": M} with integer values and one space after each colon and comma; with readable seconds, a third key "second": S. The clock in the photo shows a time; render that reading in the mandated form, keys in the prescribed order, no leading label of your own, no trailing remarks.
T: {"hour": 4, "minute": 7}
